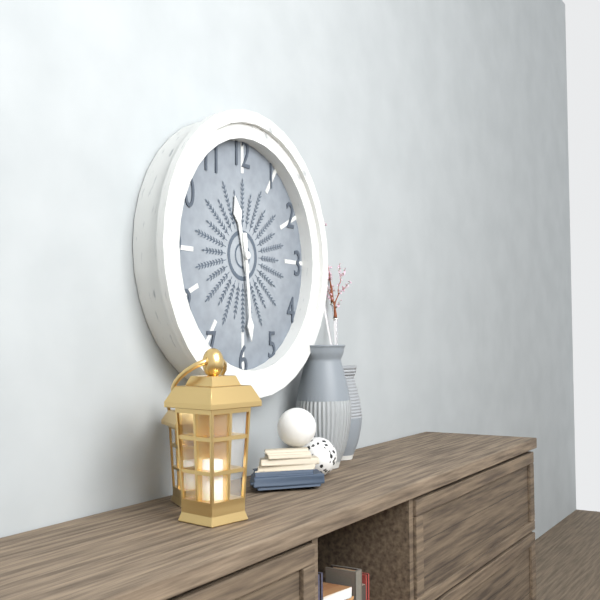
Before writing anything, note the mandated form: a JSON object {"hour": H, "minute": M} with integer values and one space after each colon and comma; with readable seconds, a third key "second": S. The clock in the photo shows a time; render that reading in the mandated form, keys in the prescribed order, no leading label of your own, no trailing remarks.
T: {"hour": 11, "minute": 29}
